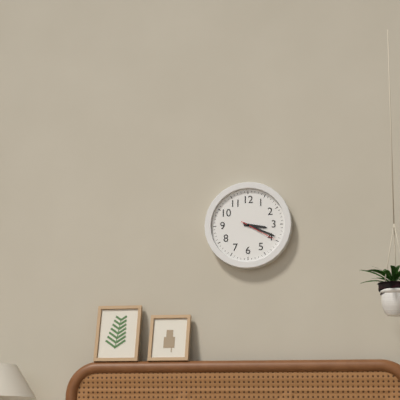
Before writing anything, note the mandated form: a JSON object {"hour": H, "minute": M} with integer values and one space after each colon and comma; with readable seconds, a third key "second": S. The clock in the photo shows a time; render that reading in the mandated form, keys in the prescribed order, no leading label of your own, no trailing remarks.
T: {"hour": 3, "minute": 19}
